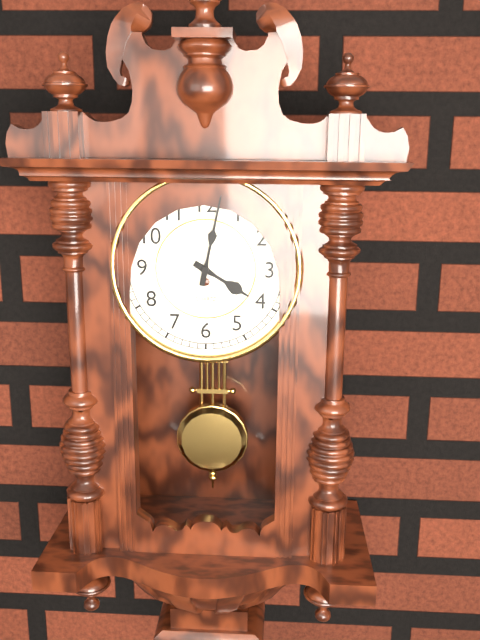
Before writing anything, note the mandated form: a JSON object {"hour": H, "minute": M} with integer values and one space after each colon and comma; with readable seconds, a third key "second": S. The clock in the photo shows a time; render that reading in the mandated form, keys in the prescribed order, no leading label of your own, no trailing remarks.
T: {"hour": 4, "minute": 2}
